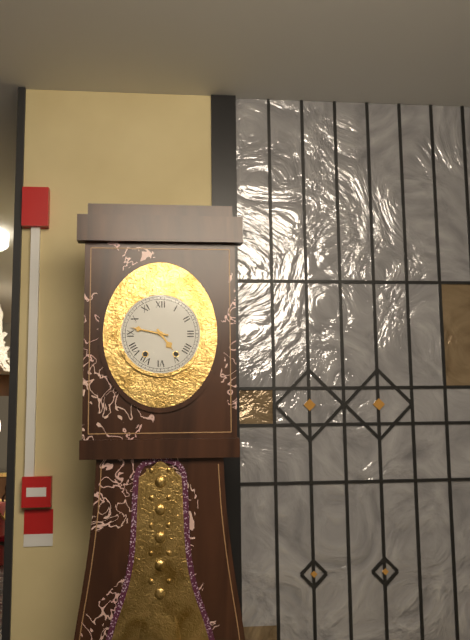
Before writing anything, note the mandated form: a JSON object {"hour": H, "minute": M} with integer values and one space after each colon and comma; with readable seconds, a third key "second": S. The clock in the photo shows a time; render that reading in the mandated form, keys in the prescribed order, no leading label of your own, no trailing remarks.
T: {"hour": 4, "minute": 47}
